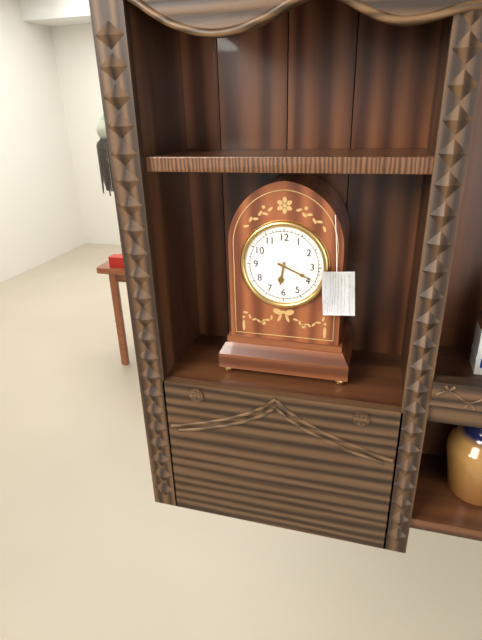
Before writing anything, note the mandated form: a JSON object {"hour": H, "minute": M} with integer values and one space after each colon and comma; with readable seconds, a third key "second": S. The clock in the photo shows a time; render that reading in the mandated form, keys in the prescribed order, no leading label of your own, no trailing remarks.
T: {"hour": 6, "minute": 19}
